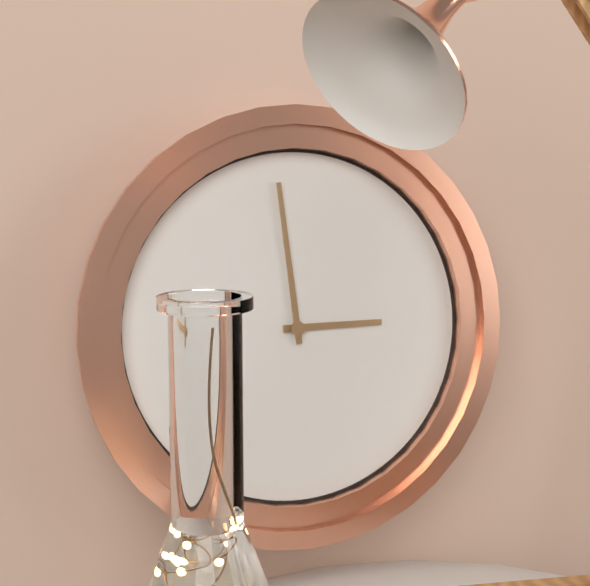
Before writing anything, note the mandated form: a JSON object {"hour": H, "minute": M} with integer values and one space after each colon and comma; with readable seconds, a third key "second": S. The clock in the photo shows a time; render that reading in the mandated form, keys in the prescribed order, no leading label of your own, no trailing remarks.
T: {"hour": 2, "minute": 59}
